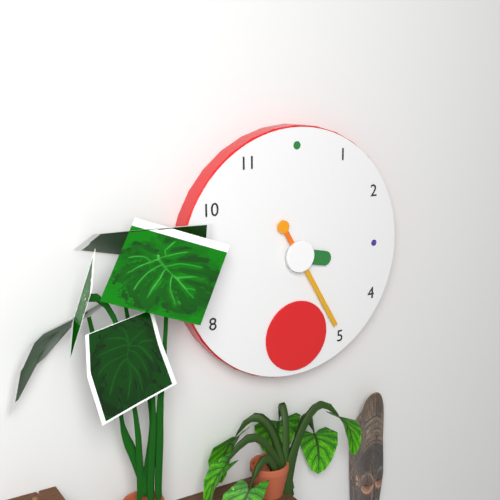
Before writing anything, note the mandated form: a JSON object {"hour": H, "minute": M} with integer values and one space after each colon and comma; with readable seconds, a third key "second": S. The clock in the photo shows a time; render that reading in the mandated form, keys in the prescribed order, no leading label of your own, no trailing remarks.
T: {"hour": 3, "minute": 25}
